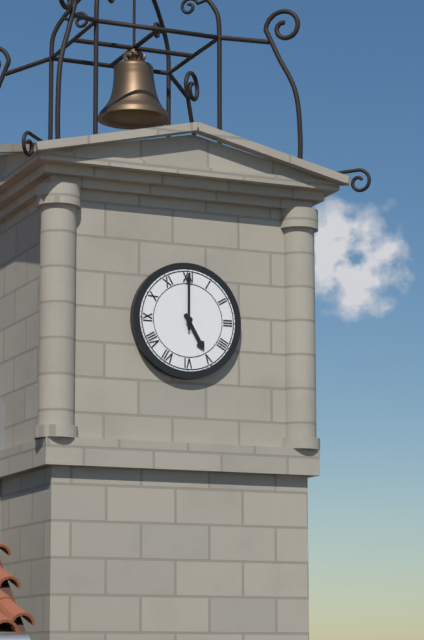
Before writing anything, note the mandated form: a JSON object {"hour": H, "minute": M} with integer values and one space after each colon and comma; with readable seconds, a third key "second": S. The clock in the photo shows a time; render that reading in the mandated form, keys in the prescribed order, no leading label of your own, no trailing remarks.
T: {"hour": 5, "minute": 0}
